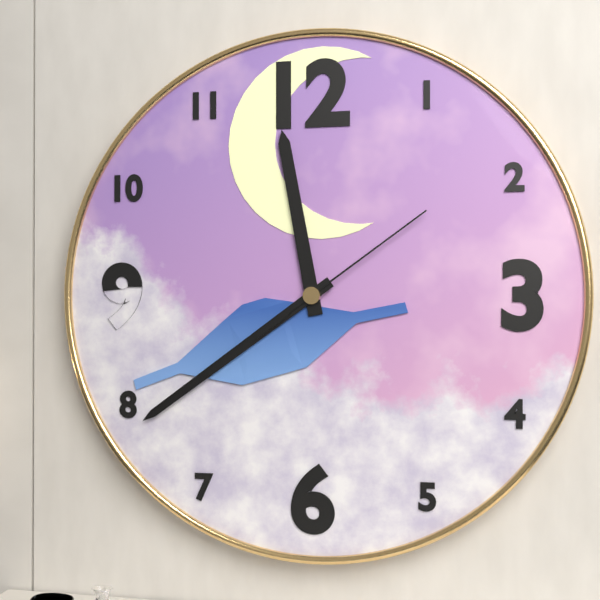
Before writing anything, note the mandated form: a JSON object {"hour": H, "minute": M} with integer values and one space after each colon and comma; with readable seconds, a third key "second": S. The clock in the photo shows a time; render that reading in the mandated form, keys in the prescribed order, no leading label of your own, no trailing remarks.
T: {"hour": 11, "minute": 39, "second": 9}
